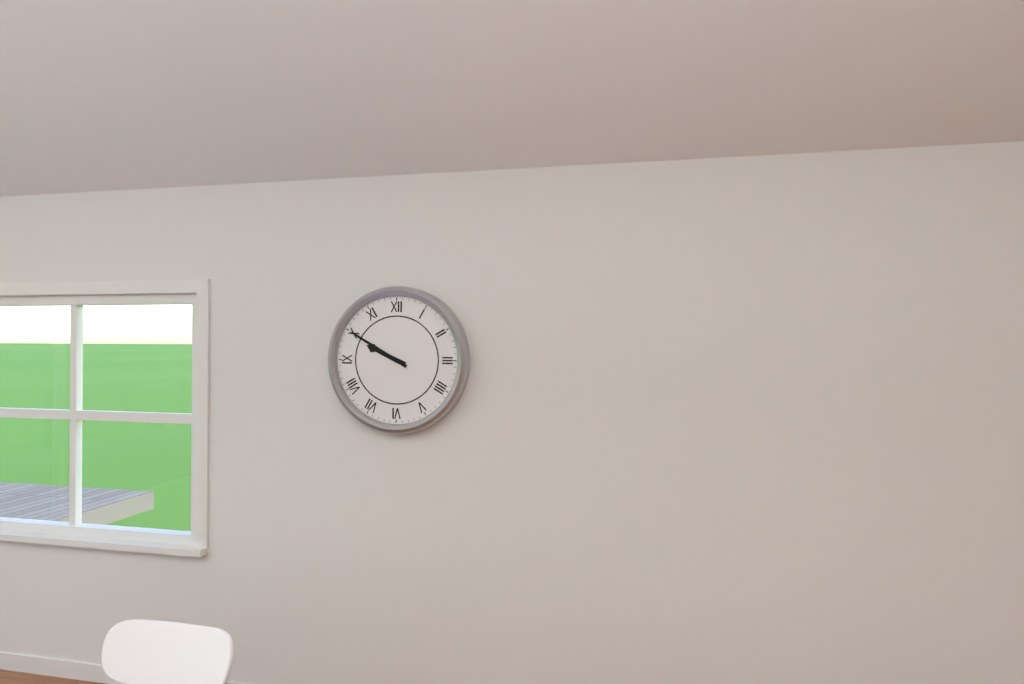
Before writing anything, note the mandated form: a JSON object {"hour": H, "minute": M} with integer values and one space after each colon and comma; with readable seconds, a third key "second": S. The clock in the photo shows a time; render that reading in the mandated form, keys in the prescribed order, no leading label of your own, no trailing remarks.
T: {"hour": 9, "minute": 50}
